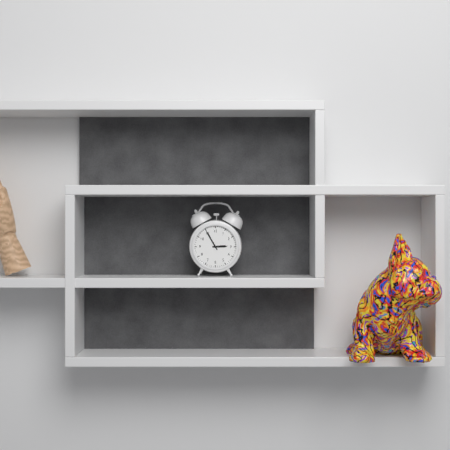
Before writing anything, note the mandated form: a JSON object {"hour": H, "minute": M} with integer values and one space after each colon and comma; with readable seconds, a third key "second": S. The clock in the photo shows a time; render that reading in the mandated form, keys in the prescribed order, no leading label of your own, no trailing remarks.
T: {"hour": 2, "minute": 55}
